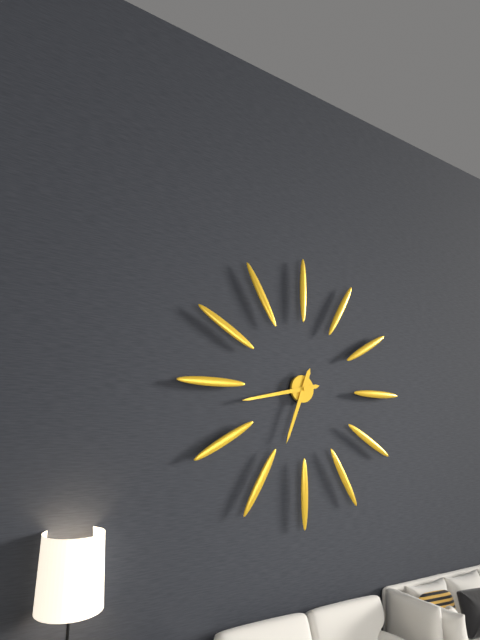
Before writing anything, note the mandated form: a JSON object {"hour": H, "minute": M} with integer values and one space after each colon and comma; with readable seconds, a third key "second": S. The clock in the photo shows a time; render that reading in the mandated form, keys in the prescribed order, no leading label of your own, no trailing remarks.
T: {"hour": 6, "minute": 43}
